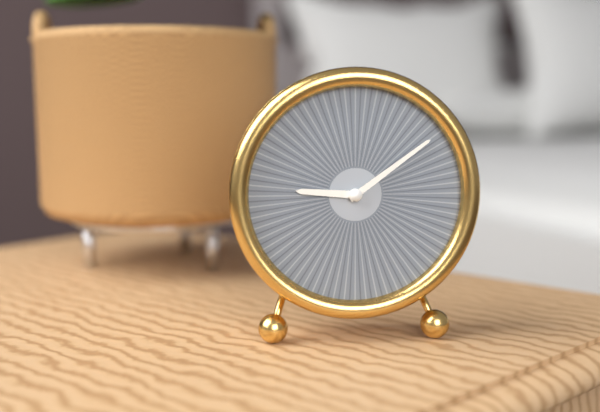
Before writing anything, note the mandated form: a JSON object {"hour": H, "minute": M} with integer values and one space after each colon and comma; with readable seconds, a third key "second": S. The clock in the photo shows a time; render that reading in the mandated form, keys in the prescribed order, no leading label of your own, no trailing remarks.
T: {"hour": 9, "minute": 9}
